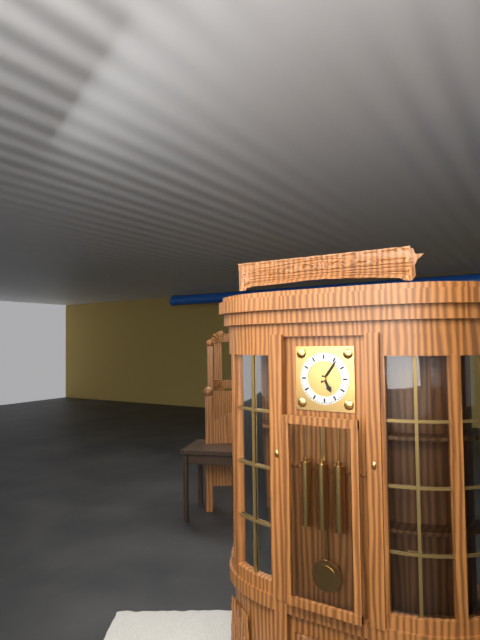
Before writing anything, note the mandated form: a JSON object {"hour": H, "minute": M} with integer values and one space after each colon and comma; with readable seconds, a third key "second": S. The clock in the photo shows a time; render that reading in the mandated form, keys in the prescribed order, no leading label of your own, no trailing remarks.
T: {"hour": 5, "minute": 6}
